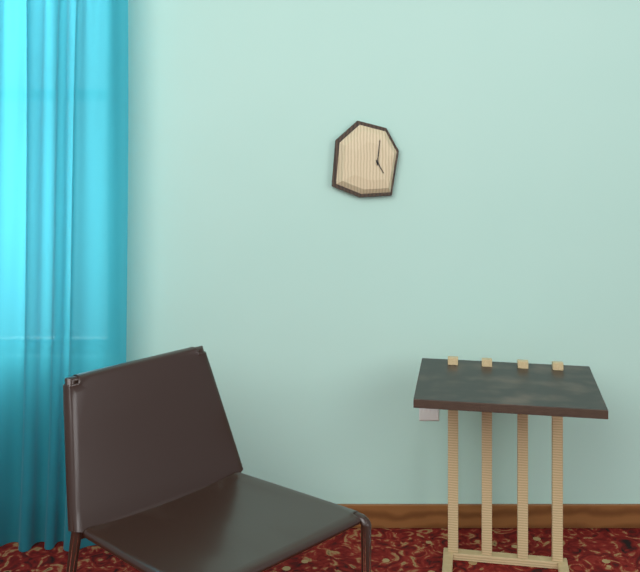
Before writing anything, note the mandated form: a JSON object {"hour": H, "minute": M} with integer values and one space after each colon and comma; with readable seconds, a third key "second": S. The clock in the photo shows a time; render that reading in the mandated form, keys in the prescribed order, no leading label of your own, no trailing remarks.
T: {"hour": 5, "minute": 1}
